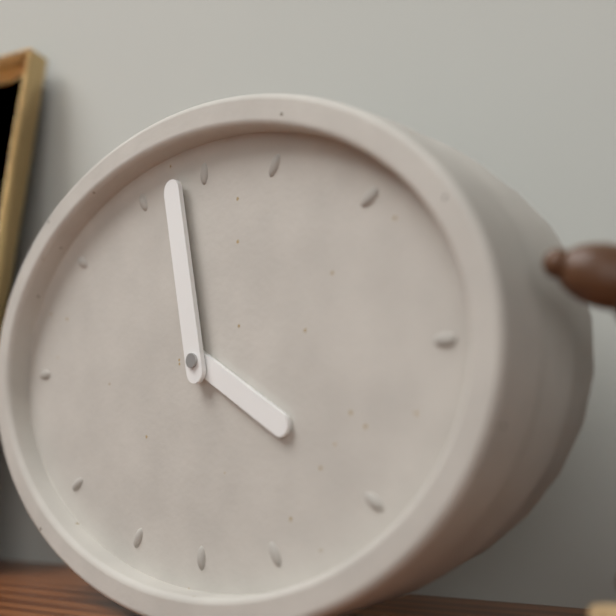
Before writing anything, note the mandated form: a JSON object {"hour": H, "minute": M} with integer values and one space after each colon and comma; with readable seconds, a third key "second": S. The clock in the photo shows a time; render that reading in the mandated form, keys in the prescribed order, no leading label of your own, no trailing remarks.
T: {"hour": 3, "minute": 58}
